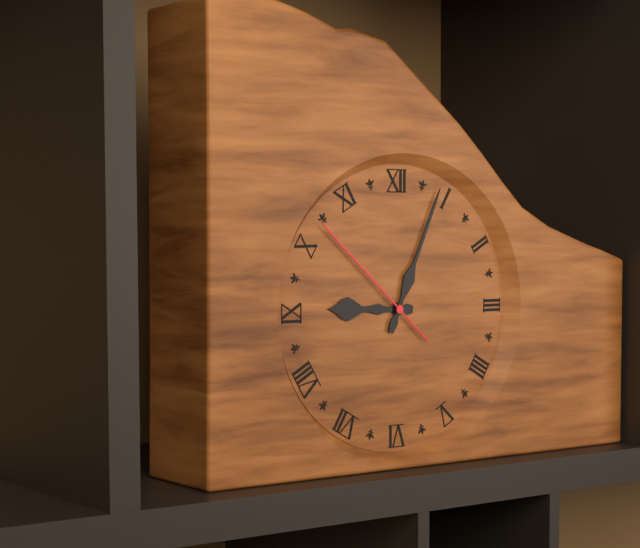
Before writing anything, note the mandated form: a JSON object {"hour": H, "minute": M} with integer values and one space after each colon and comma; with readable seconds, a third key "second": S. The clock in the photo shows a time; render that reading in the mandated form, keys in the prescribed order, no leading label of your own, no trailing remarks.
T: {"hour": 9, "minute": 4, "second": 52}
